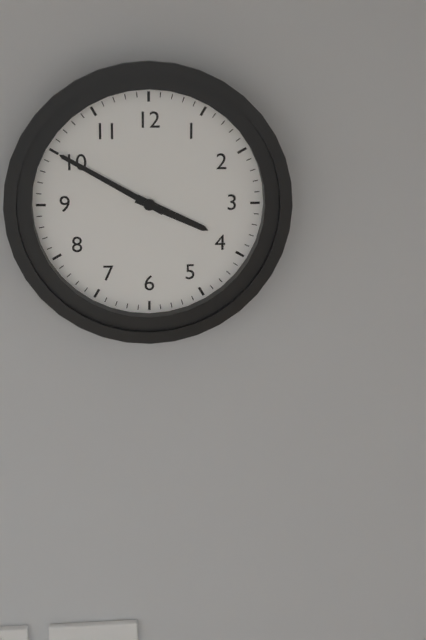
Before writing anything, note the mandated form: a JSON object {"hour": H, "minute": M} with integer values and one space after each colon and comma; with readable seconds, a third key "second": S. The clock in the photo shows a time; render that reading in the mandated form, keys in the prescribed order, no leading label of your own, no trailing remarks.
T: {"hour": 3, "minute": 50}
